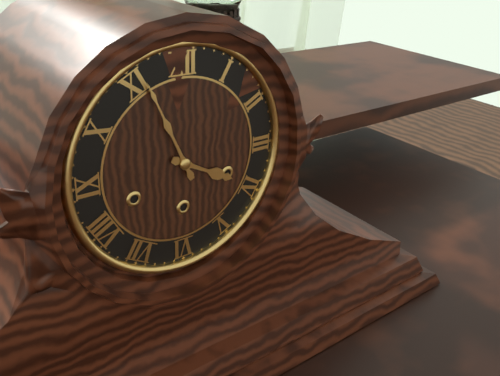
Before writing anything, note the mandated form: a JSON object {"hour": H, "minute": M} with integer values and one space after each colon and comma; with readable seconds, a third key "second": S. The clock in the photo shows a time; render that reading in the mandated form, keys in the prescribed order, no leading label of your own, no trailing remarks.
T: {"hour": 3, "minute": 56}
